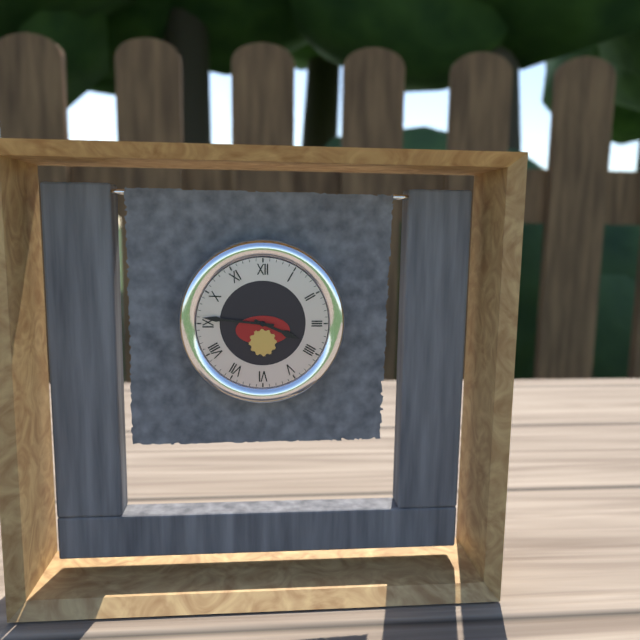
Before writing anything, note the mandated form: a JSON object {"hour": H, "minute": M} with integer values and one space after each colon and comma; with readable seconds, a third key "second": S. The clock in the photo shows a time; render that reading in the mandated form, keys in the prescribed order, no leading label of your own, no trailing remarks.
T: {"hour": 3, "minute": 46}
